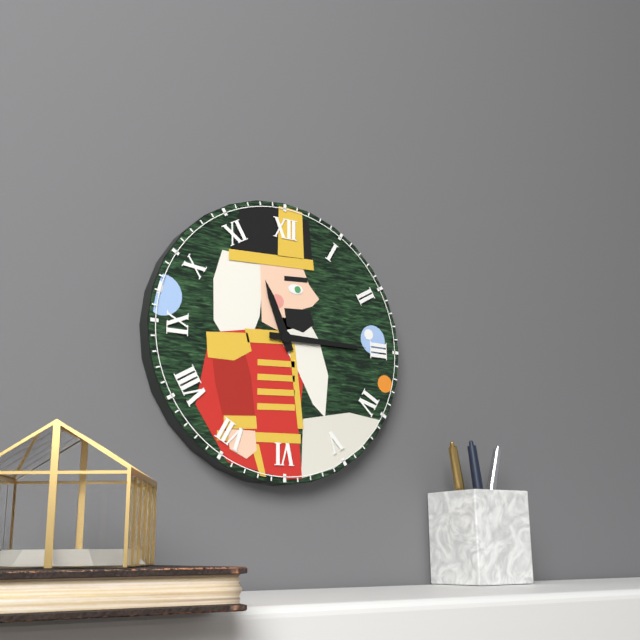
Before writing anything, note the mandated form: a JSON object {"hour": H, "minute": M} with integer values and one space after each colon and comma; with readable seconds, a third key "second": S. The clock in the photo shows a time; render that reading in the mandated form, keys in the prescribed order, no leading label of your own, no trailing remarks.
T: {"hour": 11, "minute": 15}
